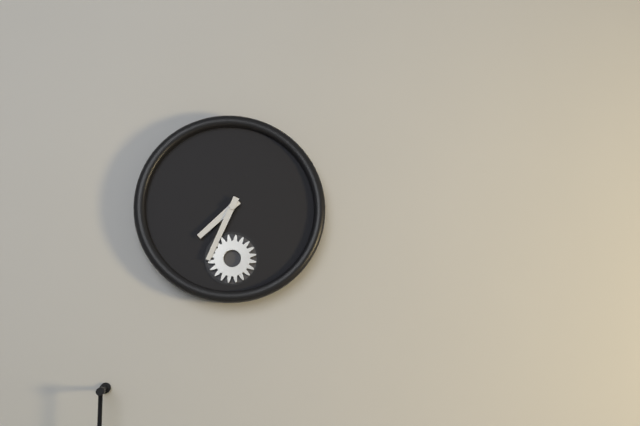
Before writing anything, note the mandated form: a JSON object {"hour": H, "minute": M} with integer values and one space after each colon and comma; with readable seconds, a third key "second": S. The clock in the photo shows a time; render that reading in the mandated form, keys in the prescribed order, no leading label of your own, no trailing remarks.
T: {"hour": 7, "minute": 34}
